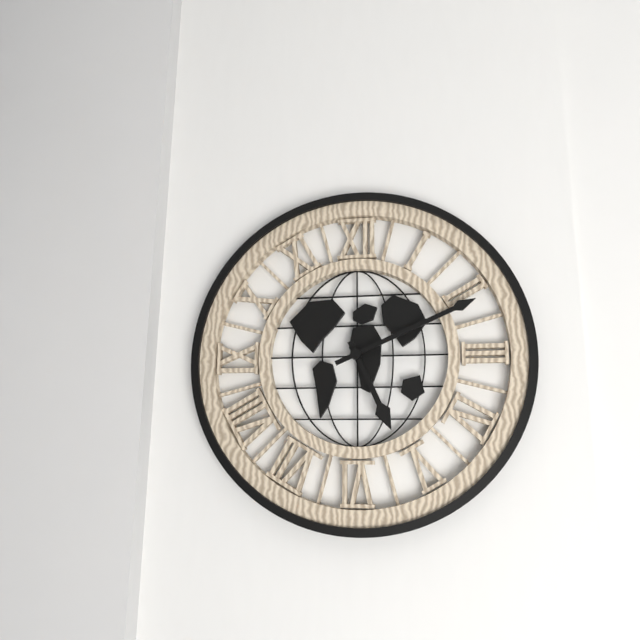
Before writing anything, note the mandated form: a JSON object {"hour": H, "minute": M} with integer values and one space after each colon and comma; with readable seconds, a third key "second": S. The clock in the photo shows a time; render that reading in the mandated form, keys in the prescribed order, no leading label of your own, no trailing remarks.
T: {"hour": 5, "minute": 11}
